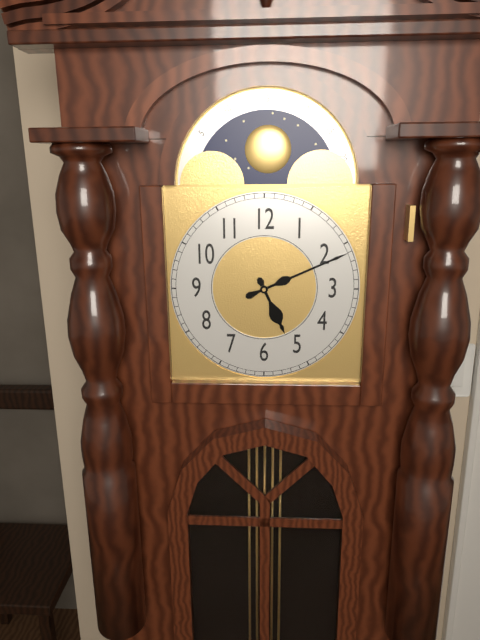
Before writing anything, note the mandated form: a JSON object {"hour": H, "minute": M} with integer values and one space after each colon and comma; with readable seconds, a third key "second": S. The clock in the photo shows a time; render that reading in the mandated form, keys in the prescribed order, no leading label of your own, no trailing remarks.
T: {"hour": 5, "minute": 11}
